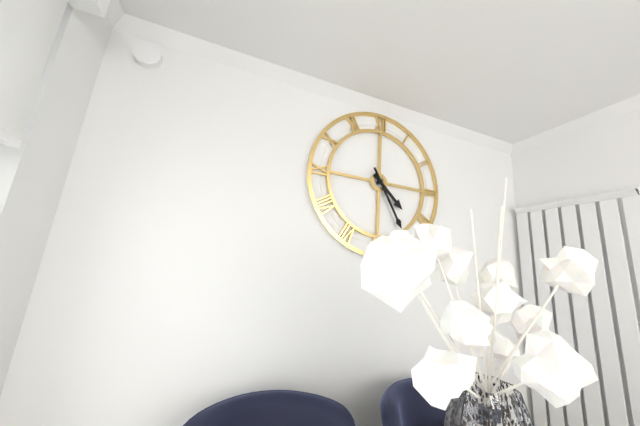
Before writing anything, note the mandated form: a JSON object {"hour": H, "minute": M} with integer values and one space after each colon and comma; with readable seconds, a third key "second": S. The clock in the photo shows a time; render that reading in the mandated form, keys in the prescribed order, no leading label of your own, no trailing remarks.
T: {"hour": 4, "minute": 25}
